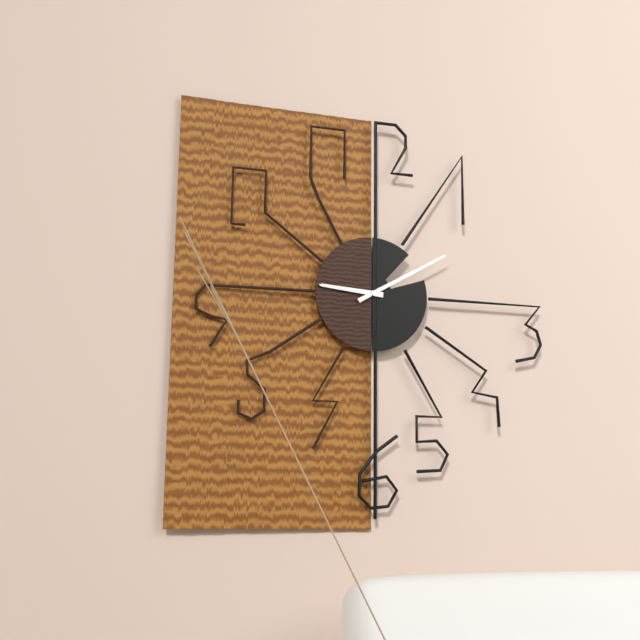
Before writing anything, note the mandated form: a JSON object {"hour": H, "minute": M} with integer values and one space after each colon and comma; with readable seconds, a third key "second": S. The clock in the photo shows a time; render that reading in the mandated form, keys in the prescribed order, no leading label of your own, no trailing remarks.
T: {"hour": 9, "minute": 10}
